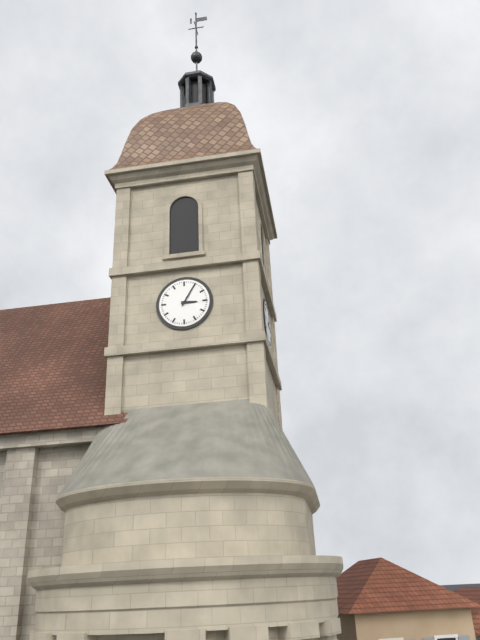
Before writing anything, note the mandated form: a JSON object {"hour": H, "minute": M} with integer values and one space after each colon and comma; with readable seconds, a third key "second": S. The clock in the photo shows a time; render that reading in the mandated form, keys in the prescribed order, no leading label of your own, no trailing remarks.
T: {"hour": 3, "minute": 5}
